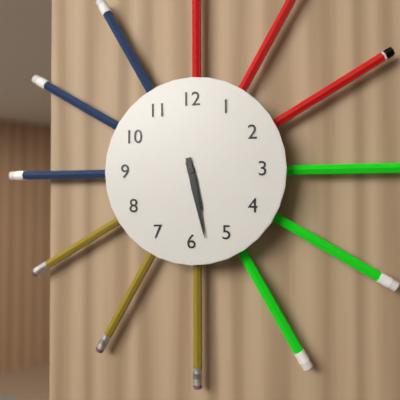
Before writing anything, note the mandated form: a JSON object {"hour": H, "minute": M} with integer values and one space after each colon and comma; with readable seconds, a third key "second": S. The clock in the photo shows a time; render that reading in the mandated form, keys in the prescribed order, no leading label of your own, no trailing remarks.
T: {"hour": 5, "minute": 28}
